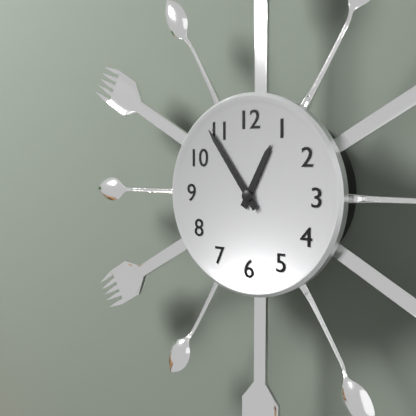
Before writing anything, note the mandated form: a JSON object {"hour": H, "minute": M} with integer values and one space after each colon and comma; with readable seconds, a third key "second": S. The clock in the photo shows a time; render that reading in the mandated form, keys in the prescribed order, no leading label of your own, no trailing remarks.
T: {"hour": 12, "minute": 54}
